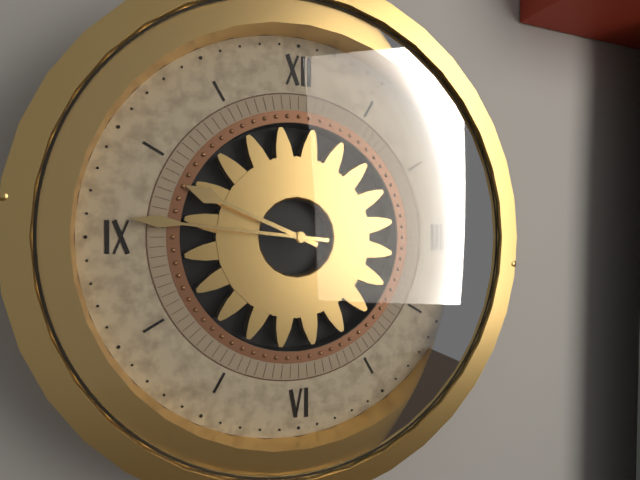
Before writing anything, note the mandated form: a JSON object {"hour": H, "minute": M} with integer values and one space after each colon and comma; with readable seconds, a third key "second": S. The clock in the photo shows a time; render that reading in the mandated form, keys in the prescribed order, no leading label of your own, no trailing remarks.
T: {"hour": 9, "minute": 46}
